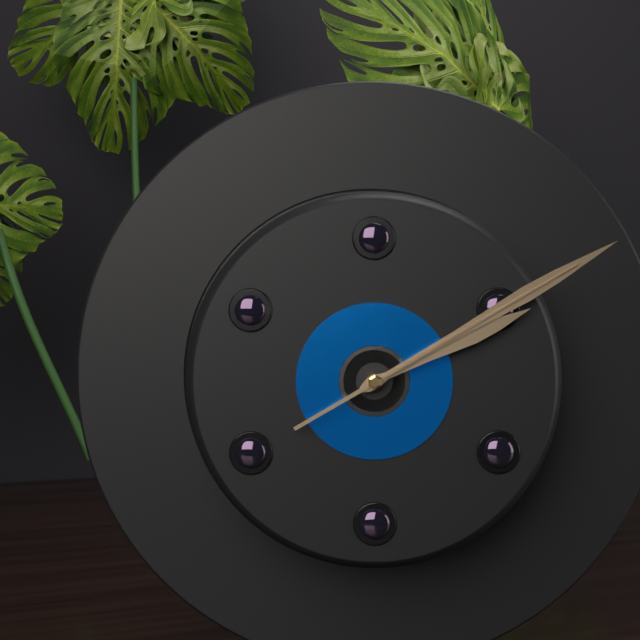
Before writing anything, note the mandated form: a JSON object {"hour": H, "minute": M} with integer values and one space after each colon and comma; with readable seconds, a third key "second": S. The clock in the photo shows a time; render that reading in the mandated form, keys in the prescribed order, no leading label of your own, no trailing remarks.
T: {"hour": 2, "minute": 10, "second": 10}
